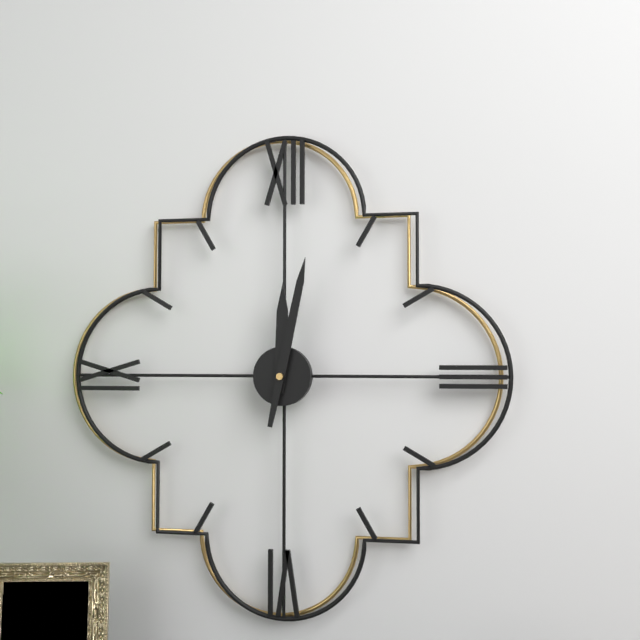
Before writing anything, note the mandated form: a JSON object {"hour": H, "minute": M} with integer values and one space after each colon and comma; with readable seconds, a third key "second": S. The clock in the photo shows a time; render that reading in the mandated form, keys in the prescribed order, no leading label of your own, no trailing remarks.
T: {"hour": 12, "minute": 2}
